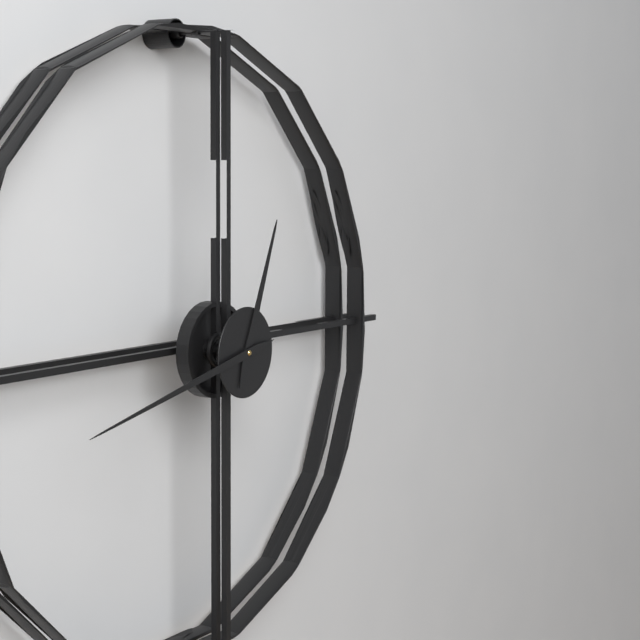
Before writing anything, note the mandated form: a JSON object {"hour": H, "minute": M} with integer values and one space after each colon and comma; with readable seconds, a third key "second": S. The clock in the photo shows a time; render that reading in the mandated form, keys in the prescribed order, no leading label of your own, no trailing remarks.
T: {"hour": 12, "minute": 43}
